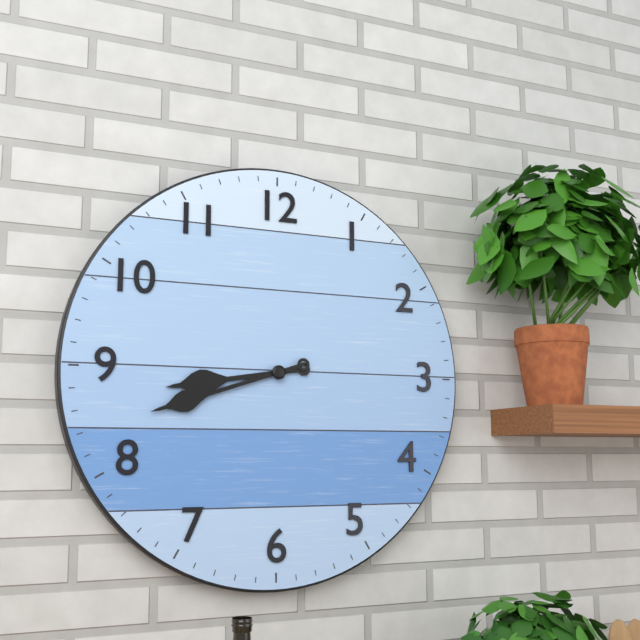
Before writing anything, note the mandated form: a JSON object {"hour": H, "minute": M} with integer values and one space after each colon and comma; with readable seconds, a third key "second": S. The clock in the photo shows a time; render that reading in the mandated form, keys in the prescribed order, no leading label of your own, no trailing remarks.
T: {"hour": 8, "minute": 42}
